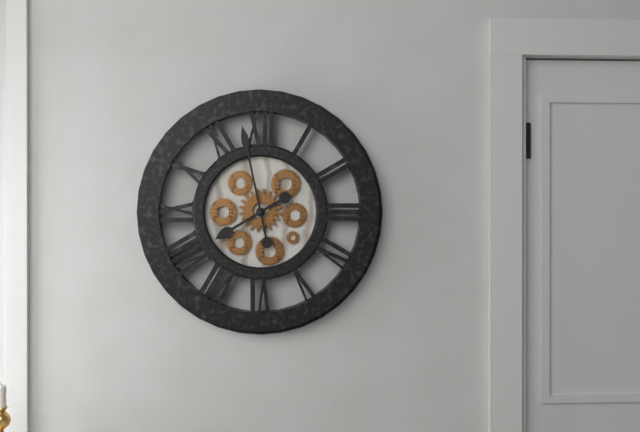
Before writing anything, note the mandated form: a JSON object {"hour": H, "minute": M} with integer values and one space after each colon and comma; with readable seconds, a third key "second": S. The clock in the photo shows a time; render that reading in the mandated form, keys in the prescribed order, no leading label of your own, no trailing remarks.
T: {"hour": 7, "minute": 58}
